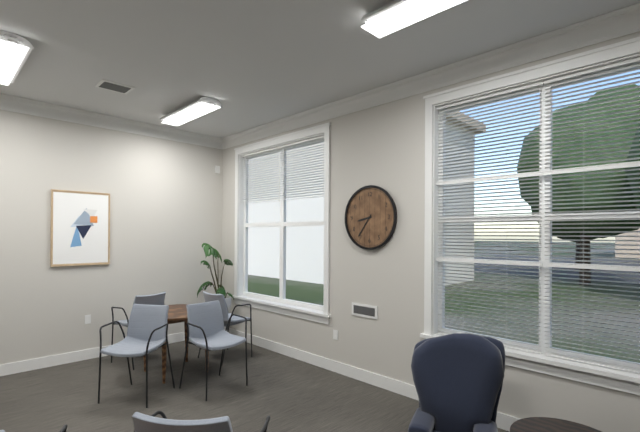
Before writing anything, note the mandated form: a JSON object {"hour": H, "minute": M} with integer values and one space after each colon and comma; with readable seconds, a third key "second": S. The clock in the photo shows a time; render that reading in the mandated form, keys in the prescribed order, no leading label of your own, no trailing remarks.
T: {"hour": 8, "minute": 36}
